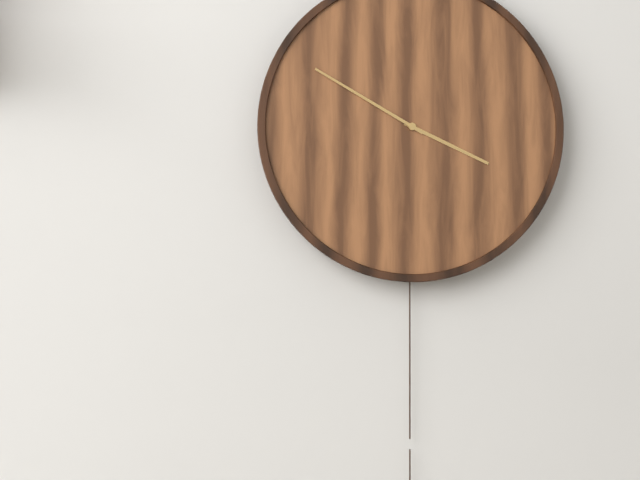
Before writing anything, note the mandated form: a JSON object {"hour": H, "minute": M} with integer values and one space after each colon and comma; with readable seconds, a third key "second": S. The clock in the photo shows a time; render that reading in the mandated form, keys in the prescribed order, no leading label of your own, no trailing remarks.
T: {"hour": 3, "minute": 50}
